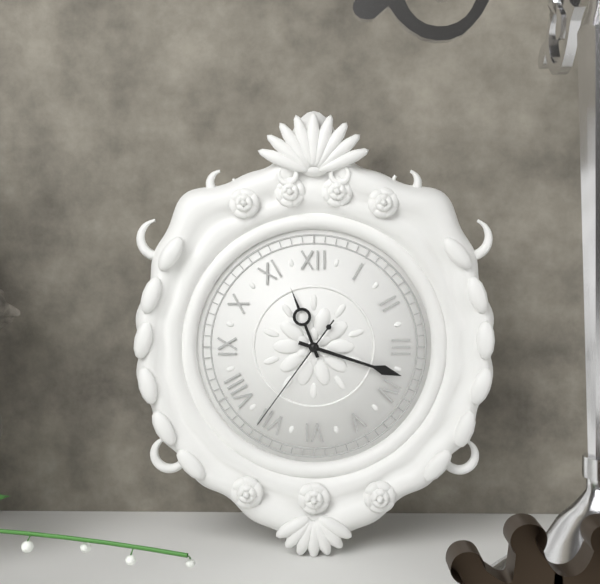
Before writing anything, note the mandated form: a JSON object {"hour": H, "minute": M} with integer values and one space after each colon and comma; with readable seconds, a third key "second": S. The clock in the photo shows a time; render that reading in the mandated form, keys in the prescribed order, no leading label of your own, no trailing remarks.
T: {"hour": 11, "minute": 18, "second": 36}
